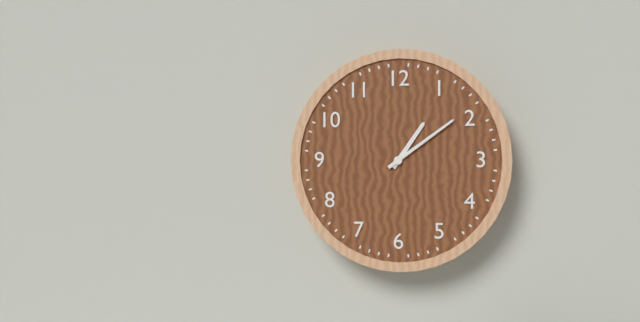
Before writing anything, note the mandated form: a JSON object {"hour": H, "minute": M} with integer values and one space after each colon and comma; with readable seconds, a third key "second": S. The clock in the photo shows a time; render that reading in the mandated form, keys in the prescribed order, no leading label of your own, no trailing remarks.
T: {"hour": 1, "minute": 9}
